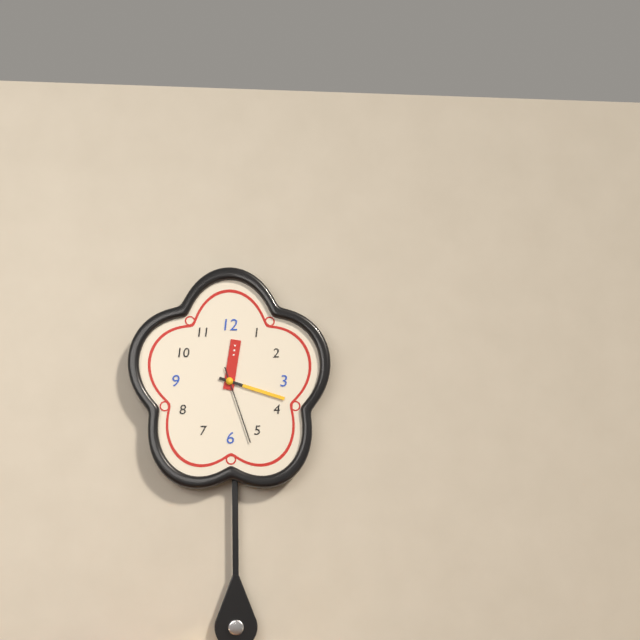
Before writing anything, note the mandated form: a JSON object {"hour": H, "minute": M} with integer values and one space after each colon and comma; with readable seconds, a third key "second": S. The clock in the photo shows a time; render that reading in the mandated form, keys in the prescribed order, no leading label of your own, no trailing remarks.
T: {"hour": 12, "minute": 18, "second": 27}
